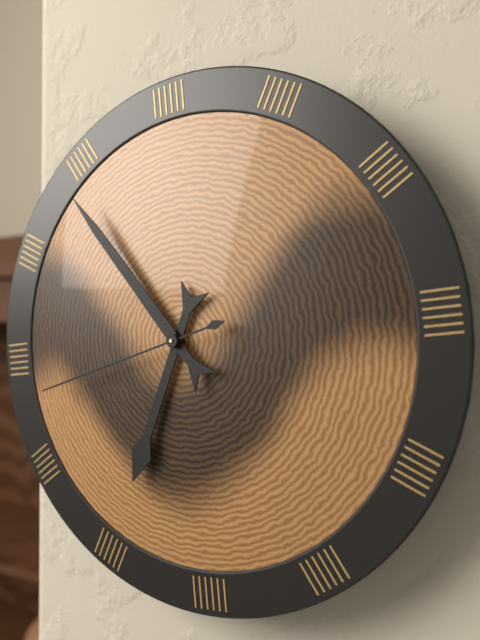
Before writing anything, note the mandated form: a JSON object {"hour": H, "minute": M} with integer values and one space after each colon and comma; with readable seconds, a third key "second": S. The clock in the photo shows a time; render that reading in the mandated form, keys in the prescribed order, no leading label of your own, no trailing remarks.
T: {"hour": 6, "minute": 54, "second": 43}
